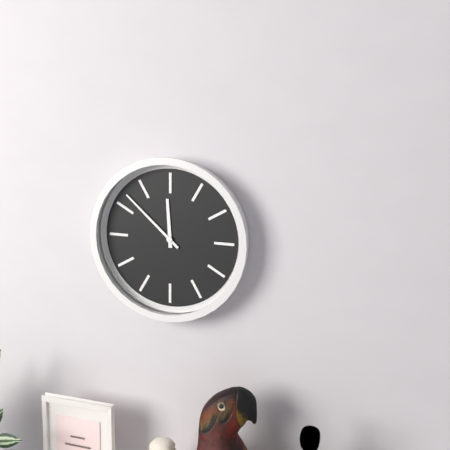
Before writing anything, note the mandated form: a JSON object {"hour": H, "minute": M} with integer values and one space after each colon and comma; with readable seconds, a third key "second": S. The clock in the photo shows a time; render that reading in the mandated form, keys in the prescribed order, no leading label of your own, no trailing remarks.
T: {"hour": 11, "minute": 52}
